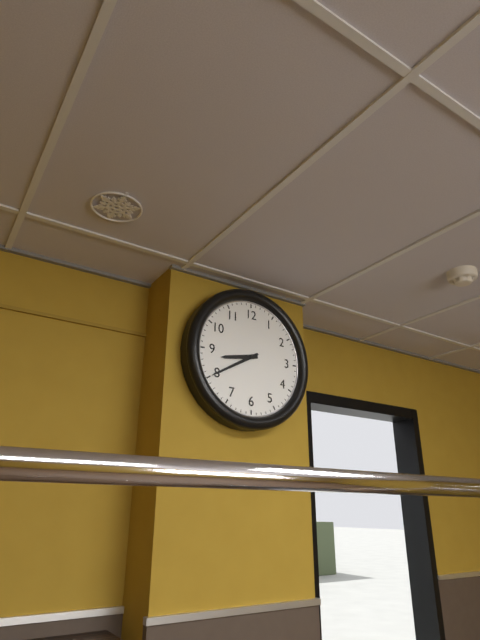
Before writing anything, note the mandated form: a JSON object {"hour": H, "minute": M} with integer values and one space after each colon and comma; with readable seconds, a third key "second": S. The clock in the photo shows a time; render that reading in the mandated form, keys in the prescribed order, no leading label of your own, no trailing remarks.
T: {"hour": 8, "minute": 40}
